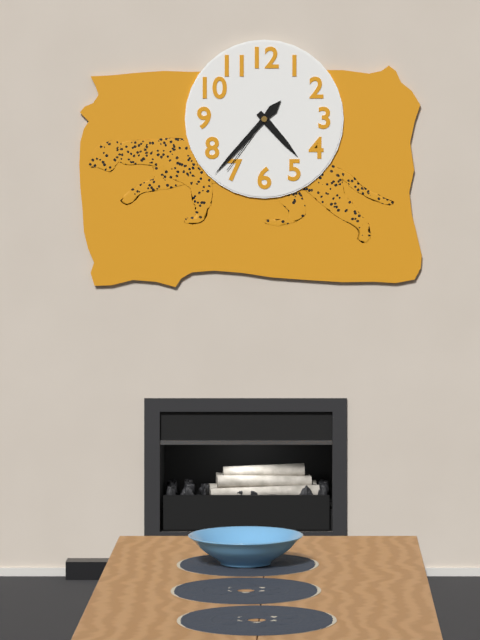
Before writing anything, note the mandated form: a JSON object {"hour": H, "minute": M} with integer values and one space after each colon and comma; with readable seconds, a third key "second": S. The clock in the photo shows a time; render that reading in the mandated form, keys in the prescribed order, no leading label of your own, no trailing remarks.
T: {"hour": 4, "minute": 37, "second": 36}
